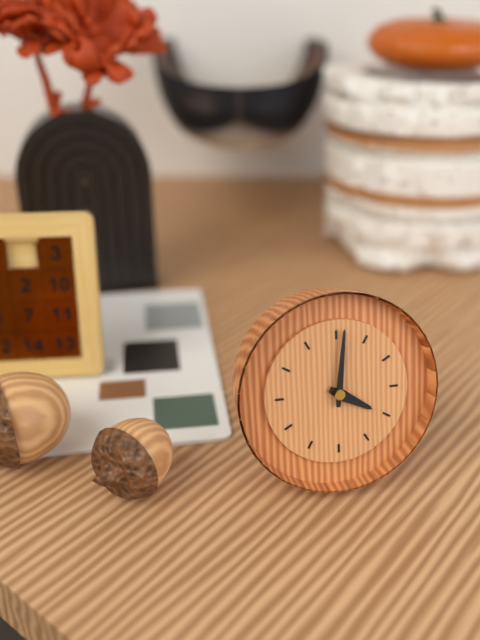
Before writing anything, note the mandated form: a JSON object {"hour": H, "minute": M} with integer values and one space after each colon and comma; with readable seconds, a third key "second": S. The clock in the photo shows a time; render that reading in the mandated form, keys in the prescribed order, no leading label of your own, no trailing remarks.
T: {"hour": 4, "minute": 1}
